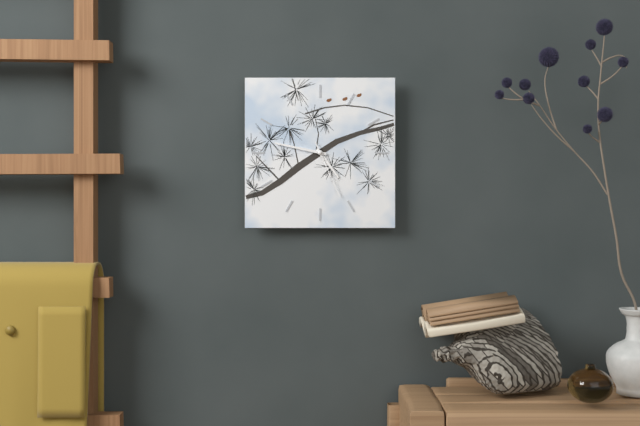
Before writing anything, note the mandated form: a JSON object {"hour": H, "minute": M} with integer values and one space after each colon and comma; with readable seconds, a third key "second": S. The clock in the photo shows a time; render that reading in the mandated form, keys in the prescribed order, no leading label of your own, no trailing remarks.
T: {"hour": 4, "minute": 47, "second": 26}
